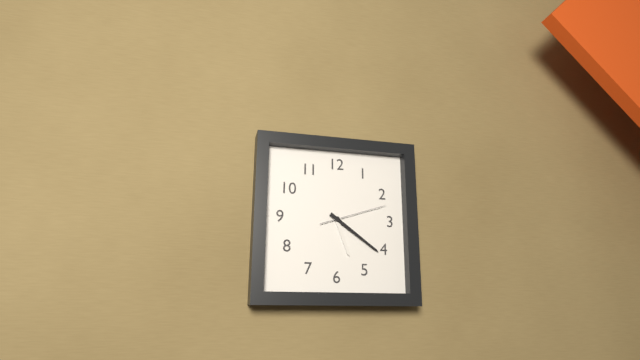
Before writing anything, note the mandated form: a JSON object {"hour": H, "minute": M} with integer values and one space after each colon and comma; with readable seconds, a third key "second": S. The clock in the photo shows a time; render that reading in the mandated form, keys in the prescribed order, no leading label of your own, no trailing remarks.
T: {"hour": 5, "minute": 21, "second": 12}
